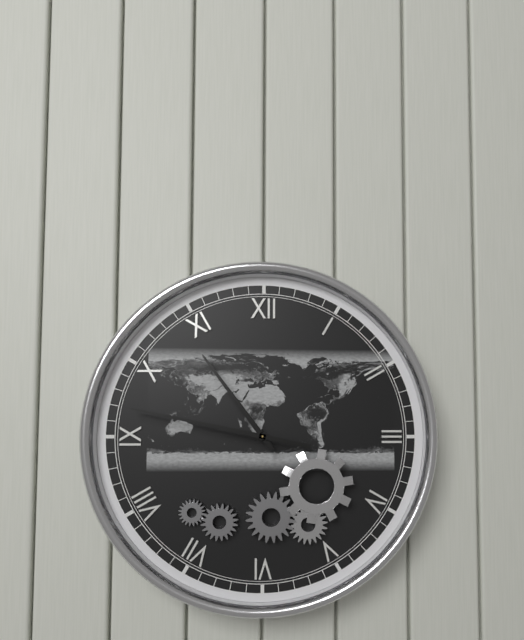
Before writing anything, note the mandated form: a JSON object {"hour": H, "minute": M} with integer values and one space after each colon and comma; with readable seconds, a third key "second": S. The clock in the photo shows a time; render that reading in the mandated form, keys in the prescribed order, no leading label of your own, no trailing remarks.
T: {"hour": 10, "minute": 47}
